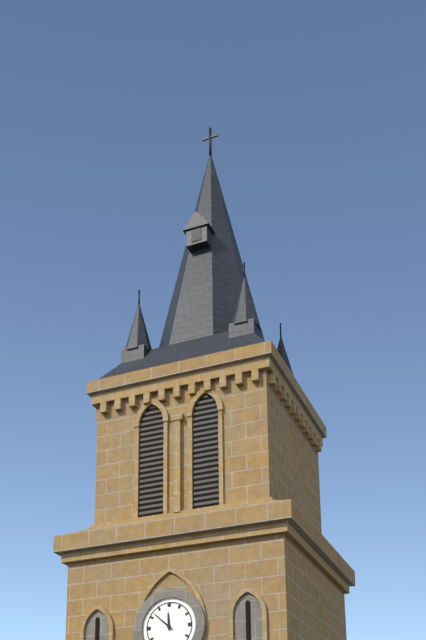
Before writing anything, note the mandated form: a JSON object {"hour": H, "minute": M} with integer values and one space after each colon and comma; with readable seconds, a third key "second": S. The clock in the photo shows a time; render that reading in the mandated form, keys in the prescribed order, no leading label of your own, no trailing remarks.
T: {"hour": 11, "minute": 52}
